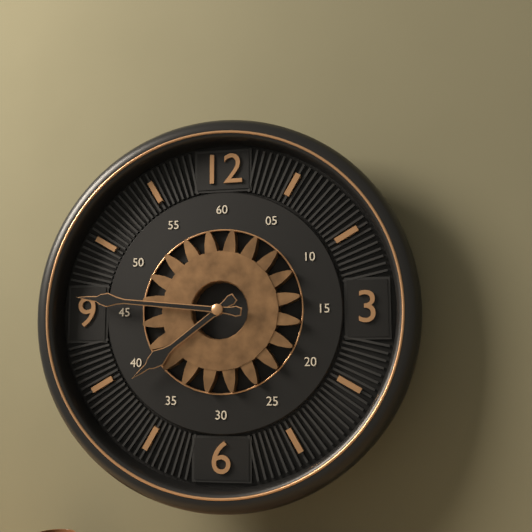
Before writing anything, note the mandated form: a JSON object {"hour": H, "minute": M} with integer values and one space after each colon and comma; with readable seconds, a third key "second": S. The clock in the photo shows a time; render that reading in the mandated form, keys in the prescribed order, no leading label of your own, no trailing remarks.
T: {"hour": 7, "minute": 46}
